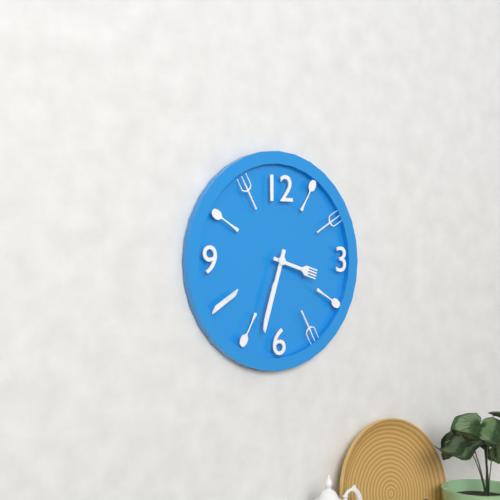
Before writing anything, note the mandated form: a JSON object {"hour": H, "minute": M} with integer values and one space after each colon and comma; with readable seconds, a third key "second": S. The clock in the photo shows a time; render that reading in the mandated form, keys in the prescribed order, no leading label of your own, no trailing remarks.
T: {"hour": 3, "minute": 33}
